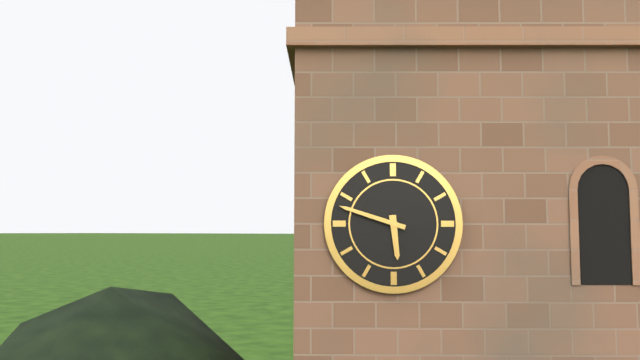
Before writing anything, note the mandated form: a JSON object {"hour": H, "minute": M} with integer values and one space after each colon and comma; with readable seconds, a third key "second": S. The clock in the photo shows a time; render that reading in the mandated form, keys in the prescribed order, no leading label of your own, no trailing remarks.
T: {"hour": 5, "minute": 48}
